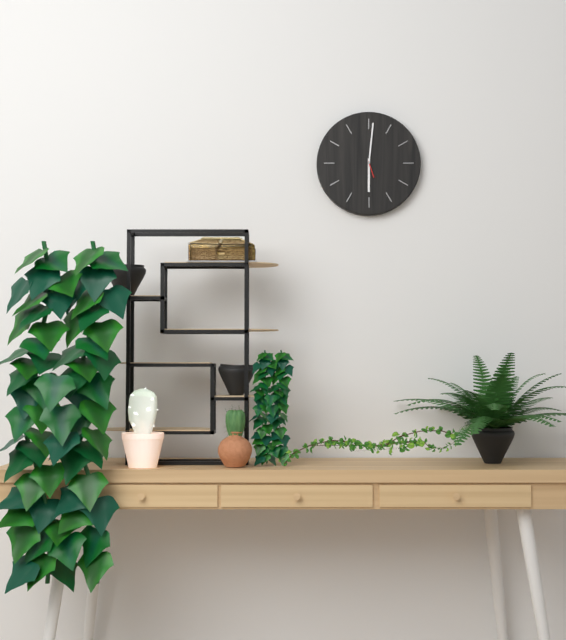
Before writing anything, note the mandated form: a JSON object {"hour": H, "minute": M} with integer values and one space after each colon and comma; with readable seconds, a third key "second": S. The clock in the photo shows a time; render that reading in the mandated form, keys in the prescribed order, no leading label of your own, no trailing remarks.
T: {"hour": 6, "minute": 1}
